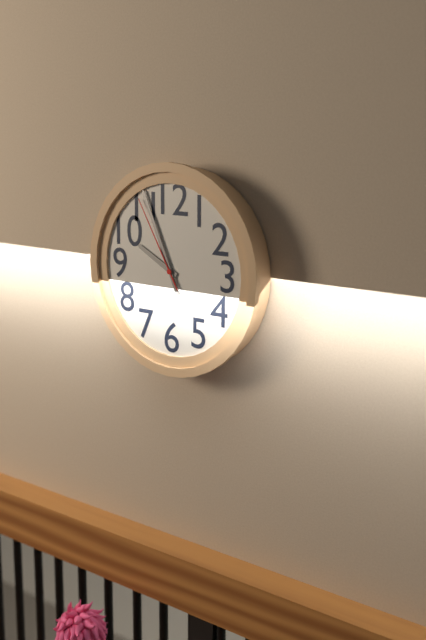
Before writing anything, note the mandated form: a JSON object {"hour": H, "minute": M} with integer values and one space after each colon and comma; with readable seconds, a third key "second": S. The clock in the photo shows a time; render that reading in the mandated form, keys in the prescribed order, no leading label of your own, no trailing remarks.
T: {"hour": 9, "minute": 56, "second": 55}
